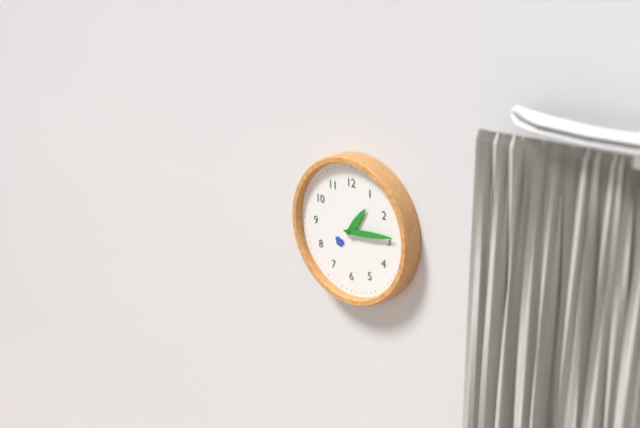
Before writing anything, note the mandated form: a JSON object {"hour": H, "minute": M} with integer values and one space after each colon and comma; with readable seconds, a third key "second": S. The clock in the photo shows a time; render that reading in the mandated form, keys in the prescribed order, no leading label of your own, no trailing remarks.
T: {"hour": 1, "minute": 14}
